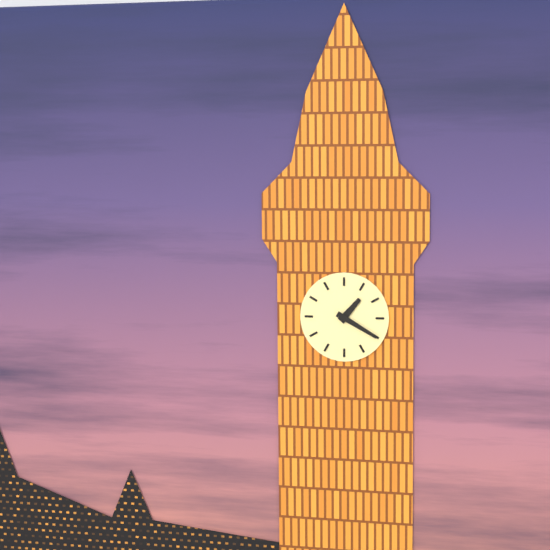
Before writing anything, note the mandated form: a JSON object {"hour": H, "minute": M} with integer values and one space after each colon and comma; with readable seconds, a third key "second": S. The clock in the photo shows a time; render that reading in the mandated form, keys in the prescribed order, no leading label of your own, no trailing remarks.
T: {"hour": 1, "minute": 20}
